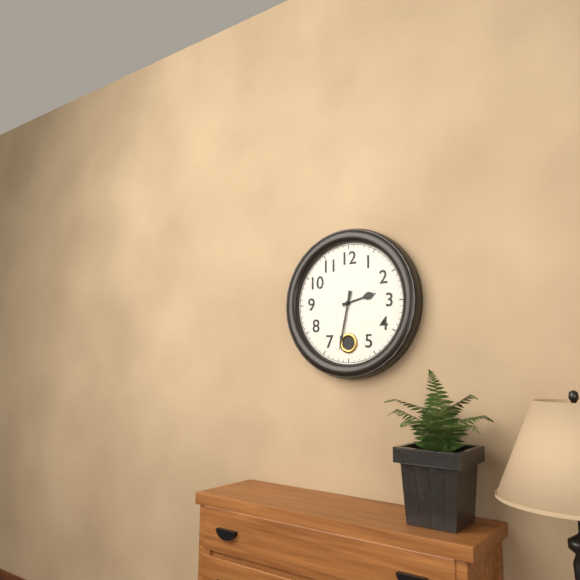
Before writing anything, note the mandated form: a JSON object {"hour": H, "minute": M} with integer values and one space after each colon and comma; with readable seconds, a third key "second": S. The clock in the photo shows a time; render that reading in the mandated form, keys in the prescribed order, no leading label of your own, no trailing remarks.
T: {"hour": 2, "minute": 32}
